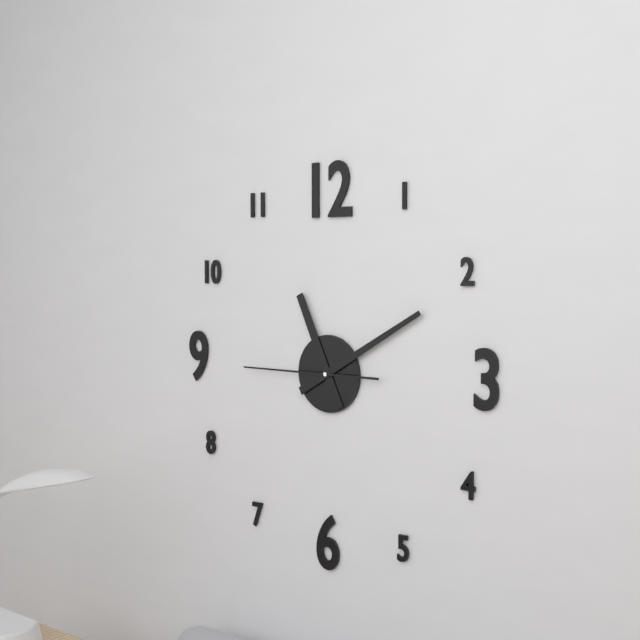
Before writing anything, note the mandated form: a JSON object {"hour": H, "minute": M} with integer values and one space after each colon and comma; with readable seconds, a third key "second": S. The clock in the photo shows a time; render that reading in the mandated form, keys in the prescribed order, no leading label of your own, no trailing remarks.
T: {"hour": 11, "minute": 10, "second": 45}
